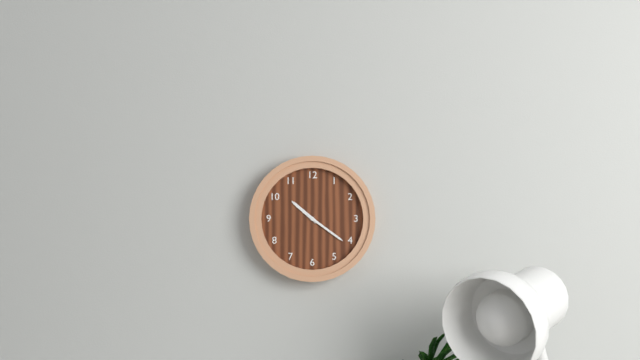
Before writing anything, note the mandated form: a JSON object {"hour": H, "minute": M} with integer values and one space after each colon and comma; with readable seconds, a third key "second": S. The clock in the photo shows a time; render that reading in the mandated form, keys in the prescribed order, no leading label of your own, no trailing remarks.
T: {"hour": 10, "minute": 21}
